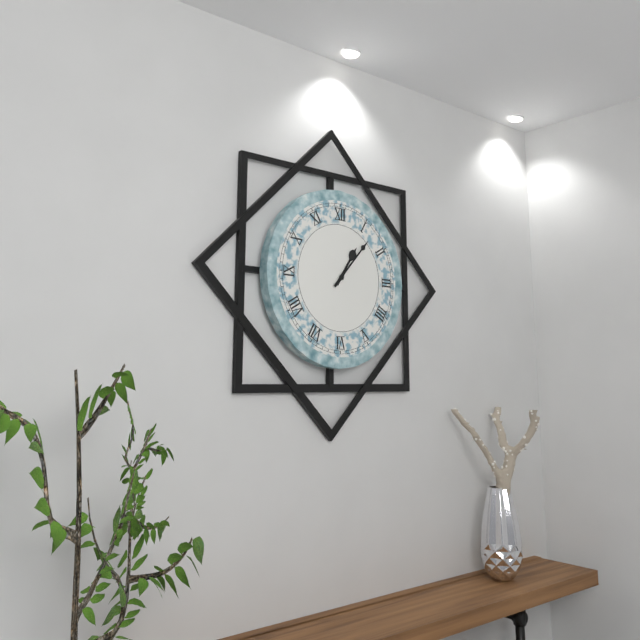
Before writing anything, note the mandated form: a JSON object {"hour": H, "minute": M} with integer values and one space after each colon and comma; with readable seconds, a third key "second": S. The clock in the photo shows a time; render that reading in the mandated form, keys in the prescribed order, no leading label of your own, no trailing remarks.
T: {"hour": 1, "minute": 7}
